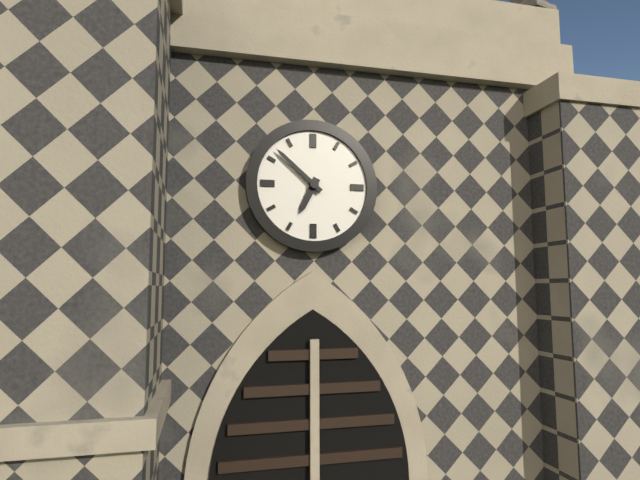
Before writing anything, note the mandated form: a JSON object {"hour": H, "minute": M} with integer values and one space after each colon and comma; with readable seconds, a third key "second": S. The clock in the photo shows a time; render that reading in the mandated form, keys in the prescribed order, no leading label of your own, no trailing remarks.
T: {"hour": 6, "minute": 52}
